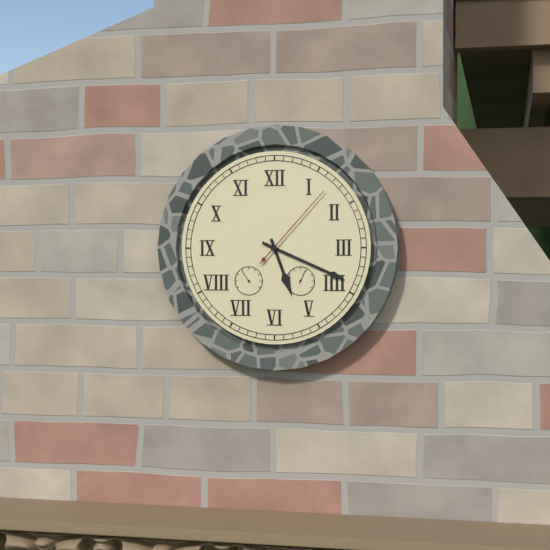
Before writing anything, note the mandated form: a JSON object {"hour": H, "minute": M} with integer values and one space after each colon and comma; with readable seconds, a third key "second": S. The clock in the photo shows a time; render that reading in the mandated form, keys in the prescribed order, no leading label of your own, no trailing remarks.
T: {"hour": 5, "minute": 19, "second": 7}
